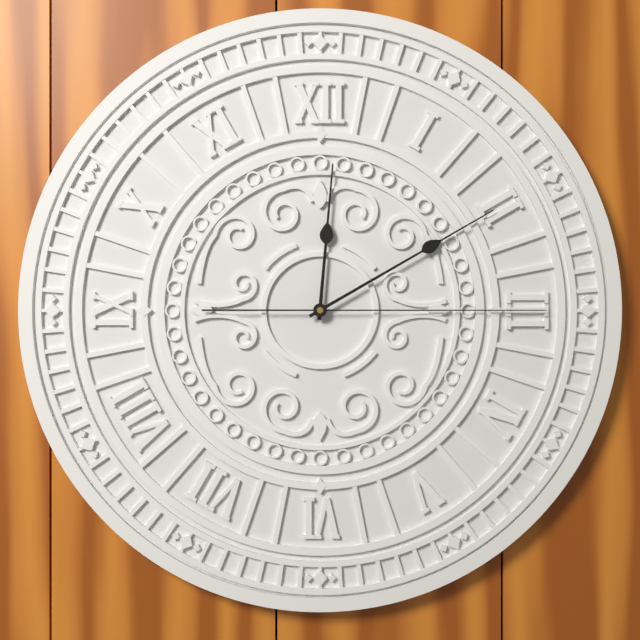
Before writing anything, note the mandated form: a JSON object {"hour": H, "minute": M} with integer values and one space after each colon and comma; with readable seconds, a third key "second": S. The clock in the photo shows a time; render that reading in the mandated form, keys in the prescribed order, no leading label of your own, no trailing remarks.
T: {"hour": 12, "minute": 10, "second": 15}
